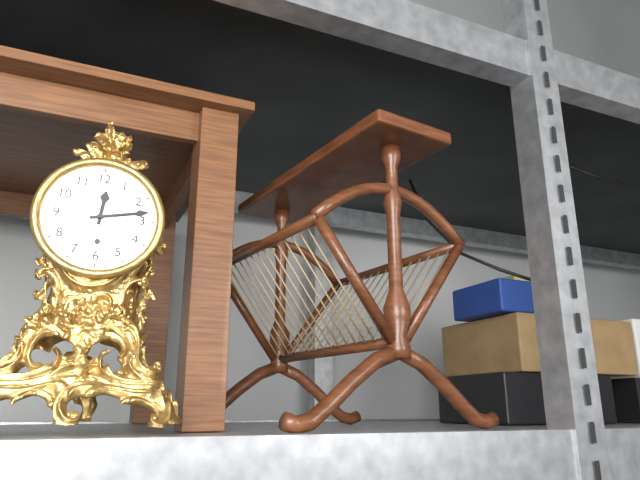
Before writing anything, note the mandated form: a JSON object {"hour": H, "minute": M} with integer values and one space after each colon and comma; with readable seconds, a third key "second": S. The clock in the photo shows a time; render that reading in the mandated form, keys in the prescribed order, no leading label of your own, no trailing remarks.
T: {"hour": 12, "minute": 13}
